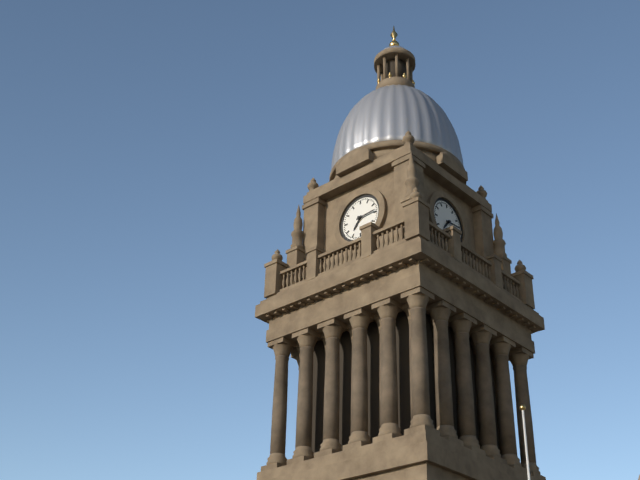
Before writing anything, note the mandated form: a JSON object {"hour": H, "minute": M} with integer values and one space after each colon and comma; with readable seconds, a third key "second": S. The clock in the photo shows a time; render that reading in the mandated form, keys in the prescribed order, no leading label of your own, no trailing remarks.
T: {"hour": 7, "minute": 14}
